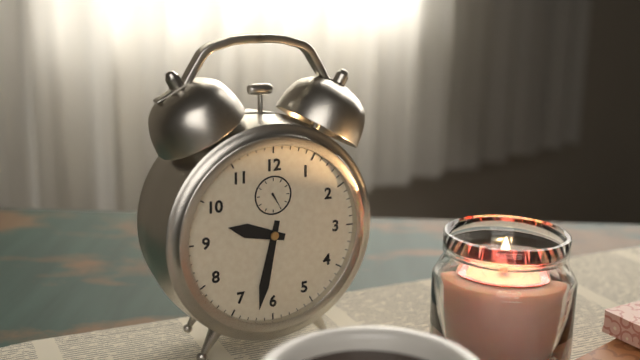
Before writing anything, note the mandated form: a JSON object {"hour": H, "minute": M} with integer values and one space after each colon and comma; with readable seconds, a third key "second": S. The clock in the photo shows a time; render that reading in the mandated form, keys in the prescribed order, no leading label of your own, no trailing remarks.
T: {"hour": 9, "minute": 32}
